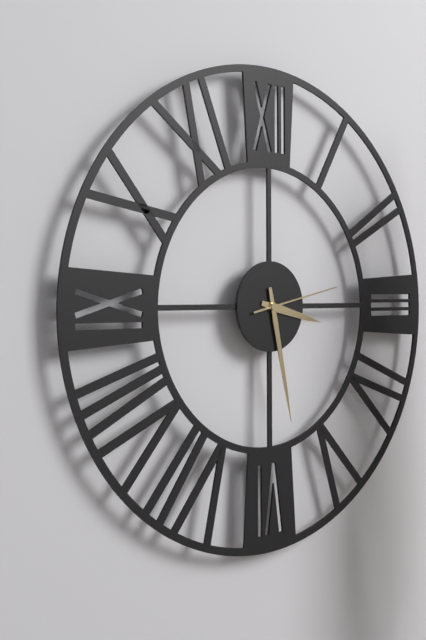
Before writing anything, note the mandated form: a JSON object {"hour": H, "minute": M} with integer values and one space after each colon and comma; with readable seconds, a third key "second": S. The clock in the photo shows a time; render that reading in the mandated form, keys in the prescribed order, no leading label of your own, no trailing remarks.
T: {"hour": 3, "minute": 28, "second": 13}
